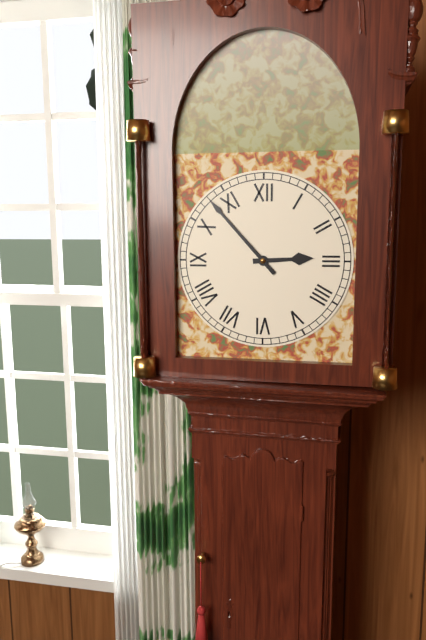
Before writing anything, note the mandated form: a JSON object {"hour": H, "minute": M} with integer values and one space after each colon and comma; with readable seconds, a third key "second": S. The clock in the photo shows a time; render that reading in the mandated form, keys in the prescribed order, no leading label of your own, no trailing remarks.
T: {"hour": 2, "minute": 53}
